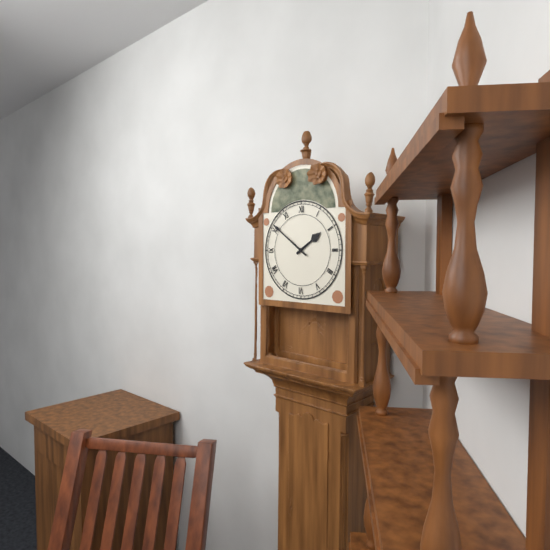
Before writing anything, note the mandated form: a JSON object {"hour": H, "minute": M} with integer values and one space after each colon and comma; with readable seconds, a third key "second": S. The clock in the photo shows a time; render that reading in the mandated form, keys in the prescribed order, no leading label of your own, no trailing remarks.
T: {"hour": 1, "minute": 51}
